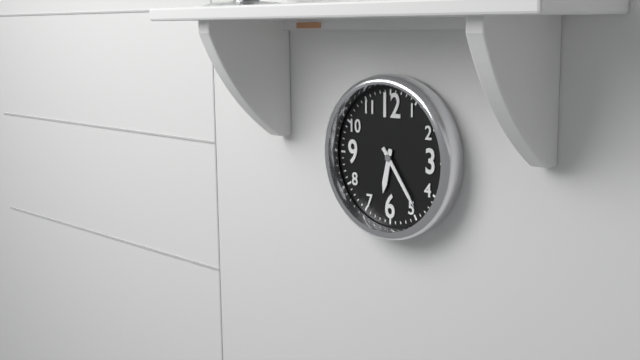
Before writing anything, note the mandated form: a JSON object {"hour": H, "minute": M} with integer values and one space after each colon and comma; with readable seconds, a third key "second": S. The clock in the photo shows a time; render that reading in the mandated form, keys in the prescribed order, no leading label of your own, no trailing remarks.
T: {"hour": 6, "minute": 24}
